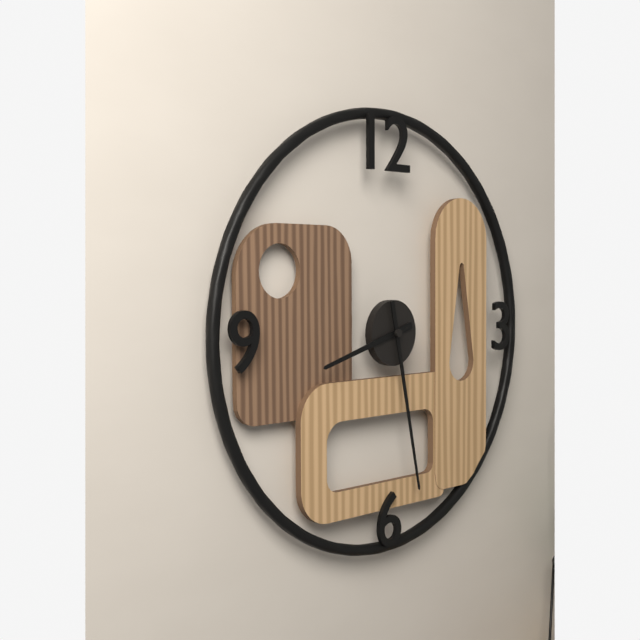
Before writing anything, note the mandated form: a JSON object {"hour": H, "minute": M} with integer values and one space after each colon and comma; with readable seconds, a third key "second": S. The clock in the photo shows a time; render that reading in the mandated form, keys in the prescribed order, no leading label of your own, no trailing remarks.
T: {"hour": 8, "minute": 28}
